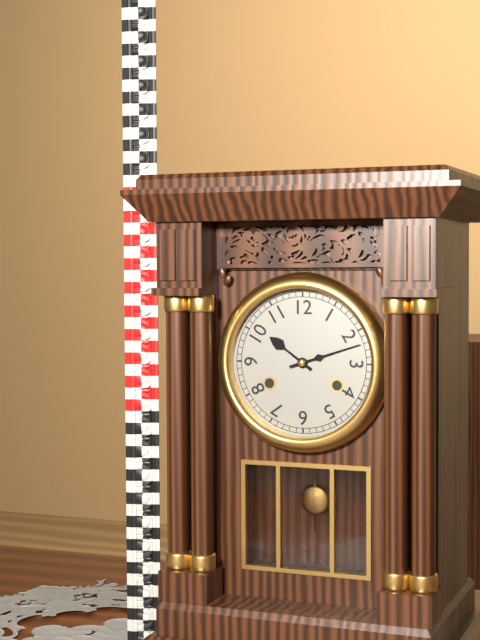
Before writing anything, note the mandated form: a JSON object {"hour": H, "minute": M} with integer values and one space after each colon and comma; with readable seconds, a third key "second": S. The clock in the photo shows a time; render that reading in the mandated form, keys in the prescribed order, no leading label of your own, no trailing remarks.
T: {"hour": 10, "minute": 12}
